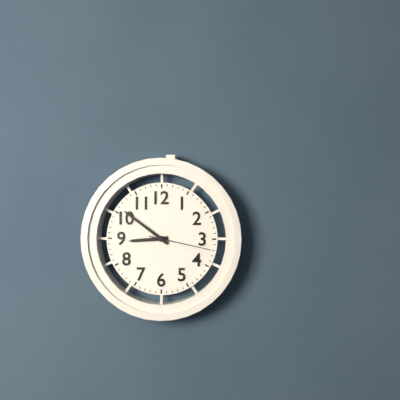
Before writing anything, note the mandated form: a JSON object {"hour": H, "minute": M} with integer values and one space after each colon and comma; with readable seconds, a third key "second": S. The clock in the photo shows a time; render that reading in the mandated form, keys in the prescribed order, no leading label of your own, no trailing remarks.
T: {"hour": 8, "minute": 51, "second": 17}
